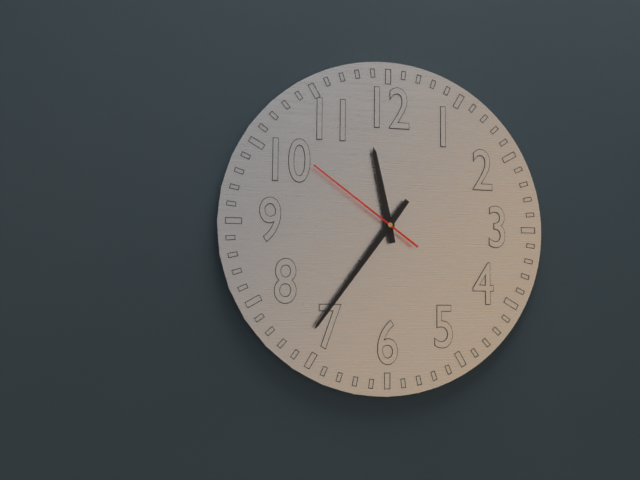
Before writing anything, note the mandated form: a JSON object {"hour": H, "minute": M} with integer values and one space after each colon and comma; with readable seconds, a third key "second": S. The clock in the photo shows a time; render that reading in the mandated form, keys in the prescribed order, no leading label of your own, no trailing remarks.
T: {"hour": 11, "minute": 36, "second": 51}
